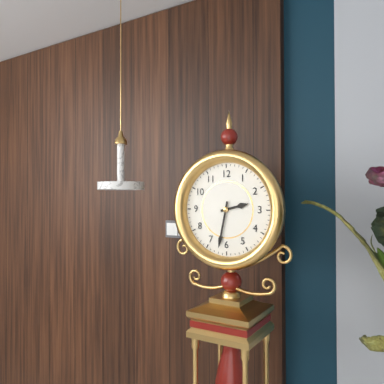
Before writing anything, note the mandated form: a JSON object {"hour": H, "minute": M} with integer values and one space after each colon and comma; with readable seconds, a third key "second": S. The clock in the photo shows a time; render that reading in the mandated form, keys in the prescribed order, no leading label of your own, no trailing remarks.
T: {"hour": 2, "minute": 32}
